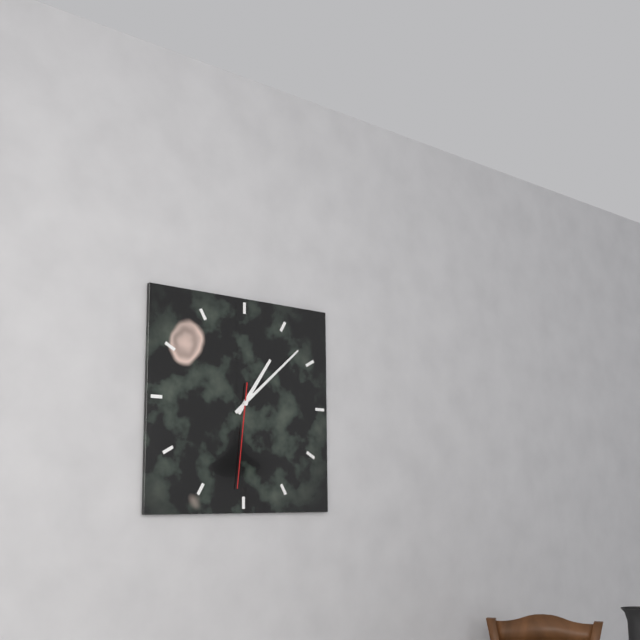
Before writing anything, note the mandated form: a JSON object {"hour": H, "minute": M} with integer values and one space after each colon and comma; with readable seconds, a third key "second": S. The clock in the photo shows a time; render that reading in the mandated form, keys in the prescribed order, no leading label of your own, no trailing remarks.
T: {"hour": 1, "minute": 8, "second": 31}
